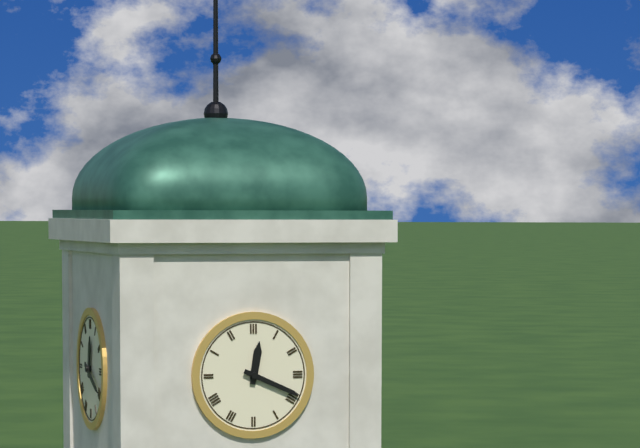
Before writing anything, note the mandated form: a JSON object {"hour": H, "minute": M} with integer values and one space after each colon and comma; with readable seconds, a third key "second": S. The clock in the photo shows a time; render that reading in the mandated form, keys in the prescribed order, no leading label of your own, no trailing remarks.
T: {"hour": 12, "minute": 19}
